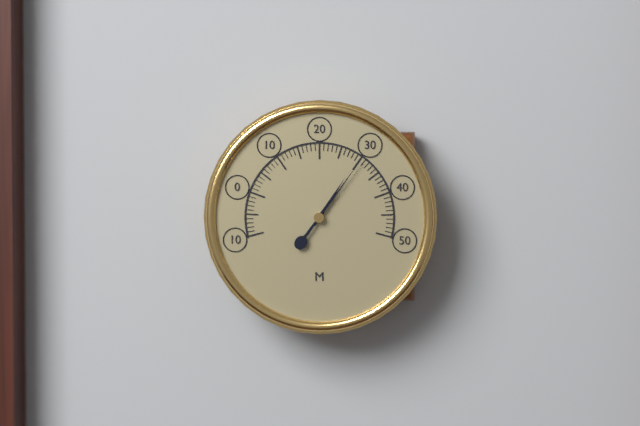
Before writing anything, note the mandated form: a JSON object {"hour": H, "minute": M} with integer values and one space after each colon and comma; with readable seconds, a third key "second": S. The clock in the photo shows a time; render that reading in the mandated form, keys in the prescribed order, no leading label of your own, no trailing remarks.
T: {"hour": 1, "minute": 6}
